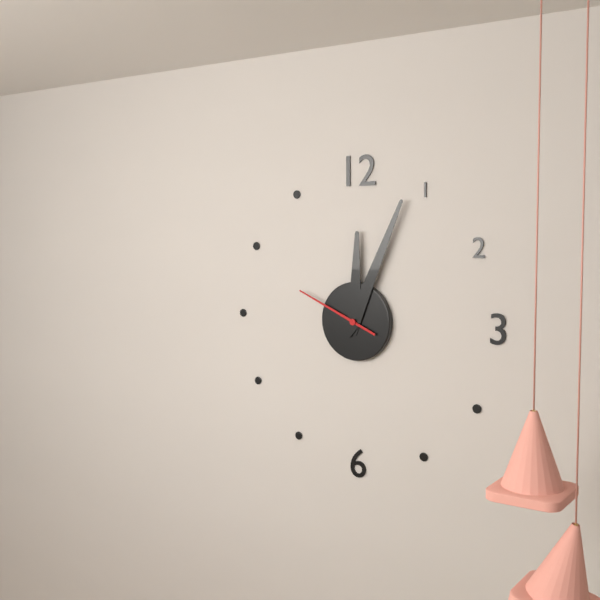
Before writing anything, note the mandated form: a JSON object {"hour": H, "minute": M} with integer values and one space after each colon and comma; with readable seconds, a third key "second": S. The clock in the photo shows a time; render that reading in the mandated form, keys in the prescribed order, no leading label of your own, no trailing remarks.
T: {"hour": 12, "minute": 4, "second": 49}
